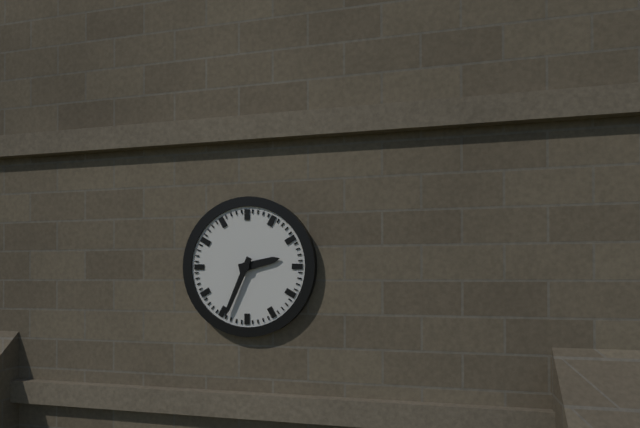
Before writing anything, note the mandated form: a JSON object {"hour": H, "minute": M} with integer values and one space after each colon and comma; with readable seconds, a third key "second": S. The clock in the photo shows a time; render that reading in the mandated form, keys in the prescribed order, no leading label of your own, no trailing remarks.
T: {"hour": 2, "minute": 34}
